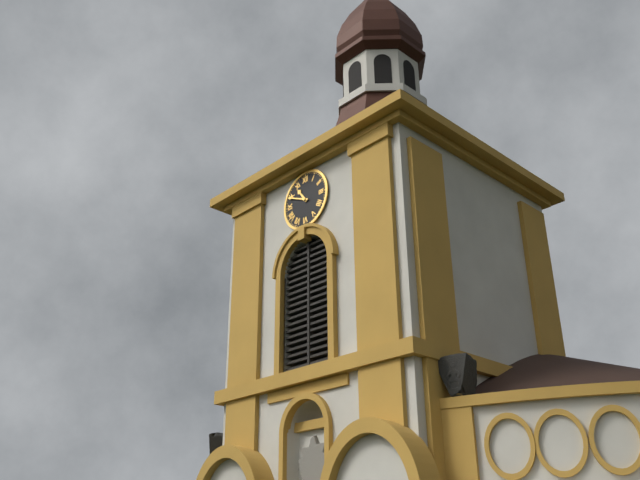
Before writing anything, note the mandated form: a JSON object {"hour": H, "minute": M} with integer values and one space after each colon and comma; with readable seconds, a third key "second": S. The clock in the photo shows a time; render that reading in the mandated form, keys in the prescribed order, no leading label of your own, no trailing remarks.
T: {"hour": 10, "minute": 49}
